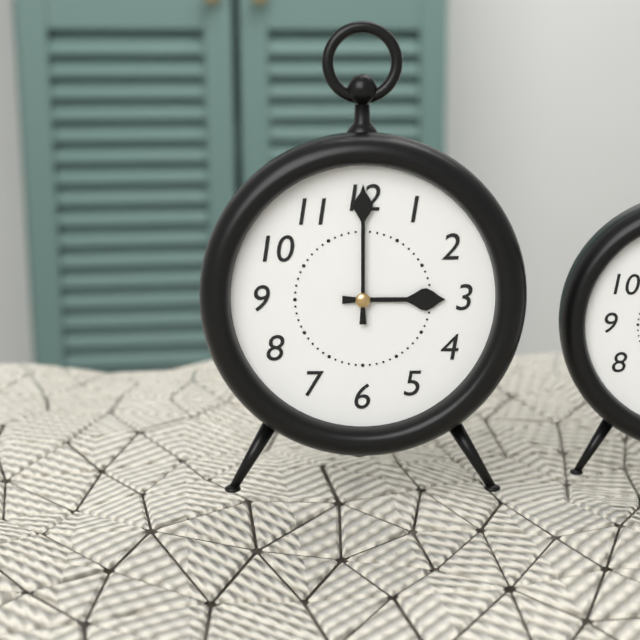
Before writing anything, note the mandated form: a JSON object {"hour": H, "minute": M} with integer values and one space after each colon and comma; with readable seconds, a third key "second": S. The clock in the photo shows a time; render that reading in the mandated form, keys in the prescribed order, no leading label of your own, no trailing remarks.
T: {"hour": 3, "minute": 0}
